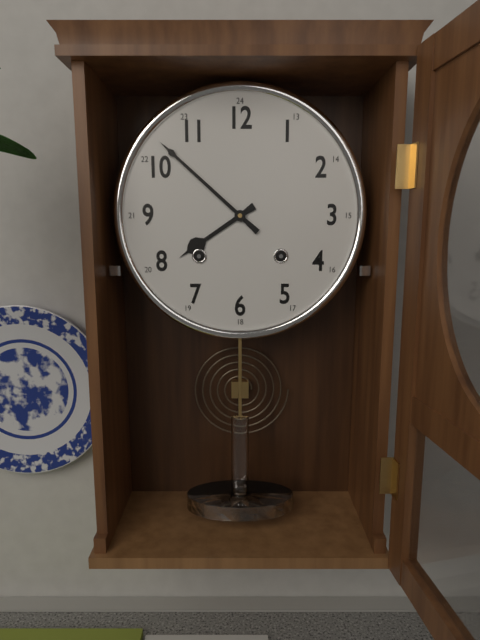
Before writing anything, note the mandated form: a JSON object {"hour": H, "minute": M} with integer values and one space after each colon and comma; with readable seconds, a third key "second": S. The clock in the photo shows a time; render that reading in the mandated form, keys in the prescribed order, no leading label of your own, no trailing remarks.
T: {"hour": 7, "minute": 52}
